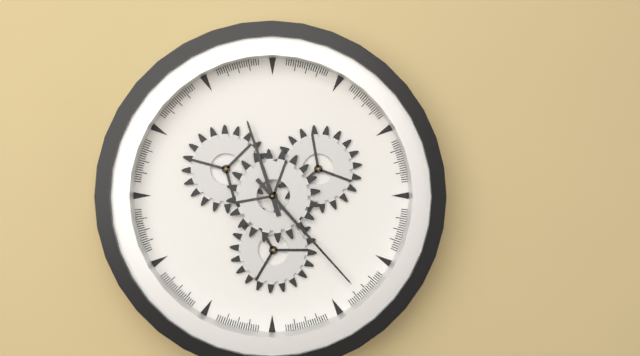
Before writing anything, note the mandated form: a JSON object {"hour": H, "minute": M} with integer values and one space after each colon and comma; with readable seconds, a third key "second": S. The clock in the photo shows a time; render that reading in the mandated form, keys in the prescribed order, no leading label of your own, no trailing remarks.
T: {"hour": 11, "minute": 23}
